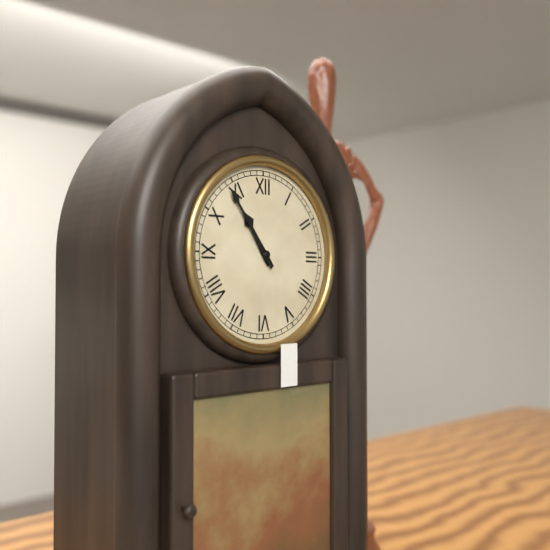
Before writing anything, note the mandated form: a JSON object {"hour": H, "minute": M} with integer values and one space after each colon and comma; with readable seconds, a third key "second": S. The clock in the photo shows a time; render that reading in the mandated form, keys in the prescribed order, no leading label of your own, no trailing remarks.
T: {"hour": 10, "minute": 54}
